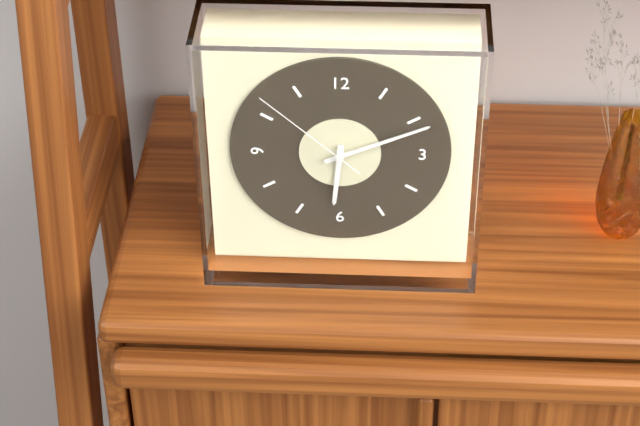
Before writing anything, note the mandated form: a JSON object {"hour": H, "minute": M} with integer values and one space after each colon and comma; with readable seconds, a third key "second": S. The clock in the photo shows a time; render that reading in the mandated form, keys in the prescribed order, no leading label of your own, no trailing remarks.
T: {"hour": 6, "minute": 11, "second": 52}
